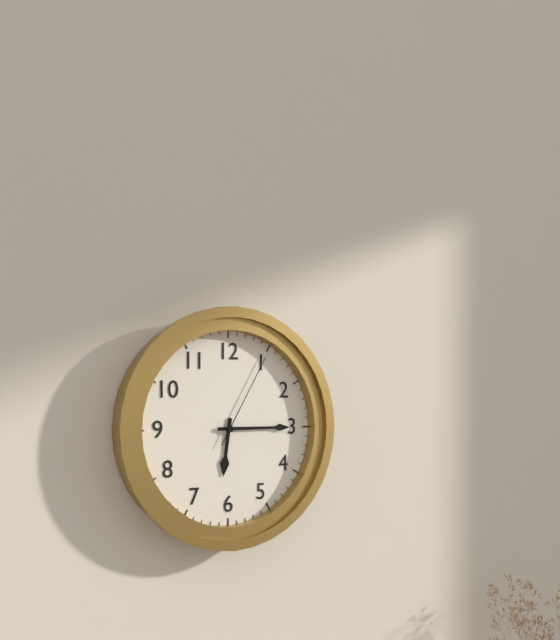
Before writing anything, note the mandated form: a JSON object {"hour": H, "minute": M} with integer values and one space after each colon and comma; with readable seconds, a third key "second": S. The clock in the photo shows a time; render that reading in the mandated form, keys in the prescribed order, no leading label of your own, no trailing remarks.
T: {"hour": 6, "minute": 15, "second": 5}
